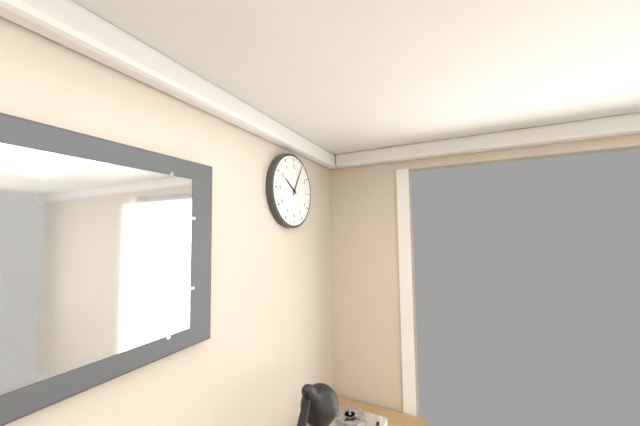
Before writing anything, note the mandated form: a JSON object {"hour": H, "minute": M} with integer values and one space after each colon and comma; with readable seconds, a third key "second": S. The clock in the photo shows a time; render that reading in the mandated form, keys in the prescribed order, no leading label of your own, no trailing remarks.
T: {"hour": 10, "minute": 5}
